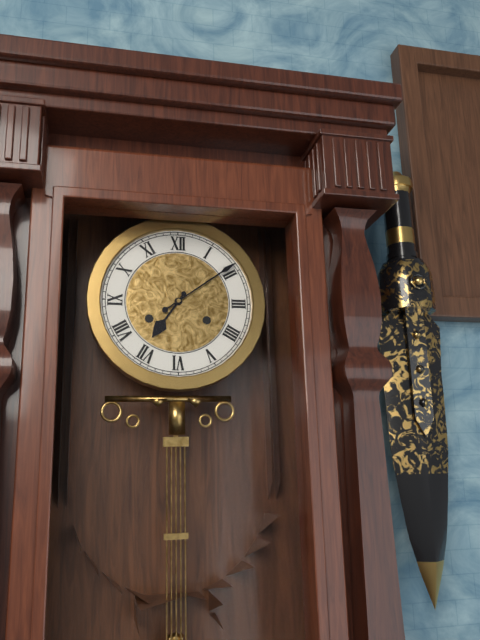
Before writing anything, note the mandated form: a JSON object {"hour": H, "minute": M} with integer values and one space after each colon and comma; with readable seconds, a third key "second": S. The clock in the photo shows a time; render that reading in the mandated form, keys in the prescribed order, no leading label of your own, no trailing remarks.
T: {"hour": 7, "minute": 9}
